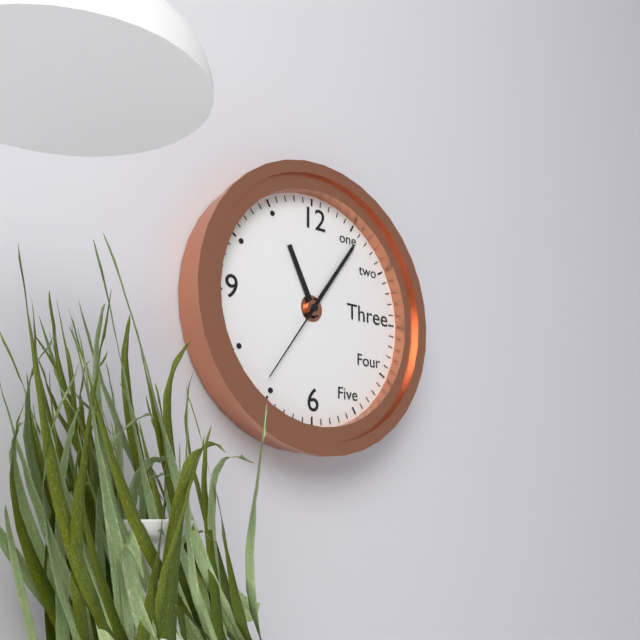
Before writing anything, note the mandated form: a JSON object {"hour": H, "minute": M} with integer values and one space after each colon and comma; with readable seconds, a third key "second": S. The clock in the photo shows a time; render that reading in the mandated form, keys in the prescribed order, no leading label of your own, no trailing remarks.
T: {"hour": 11, "minute": 6, "second": 36}
